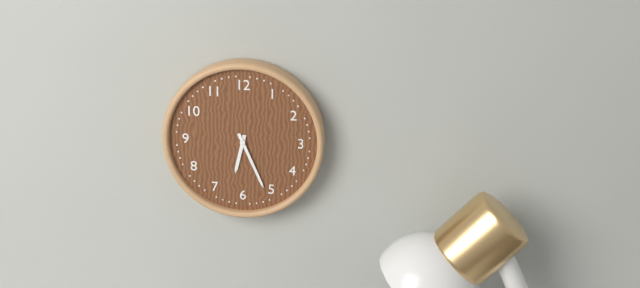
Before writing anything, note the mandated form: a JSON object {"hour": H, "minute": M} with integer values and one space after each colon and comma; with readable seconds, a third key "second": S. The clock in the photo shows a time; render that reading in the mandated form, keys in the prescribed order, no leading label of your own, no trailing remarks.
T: {"hour": 6, "minute": 26}
